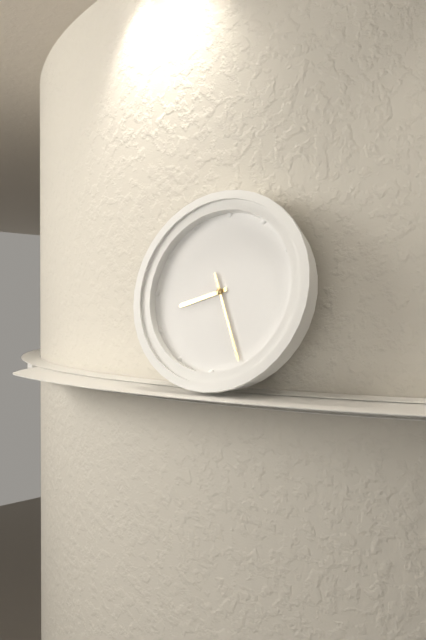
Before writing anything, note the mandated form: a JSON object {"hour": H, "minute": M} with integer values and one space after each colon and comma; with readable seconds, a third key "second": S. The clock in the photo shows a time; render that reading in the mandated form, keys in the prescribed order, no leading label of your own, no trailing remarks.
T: {"hour": 8, "minute": 26}
